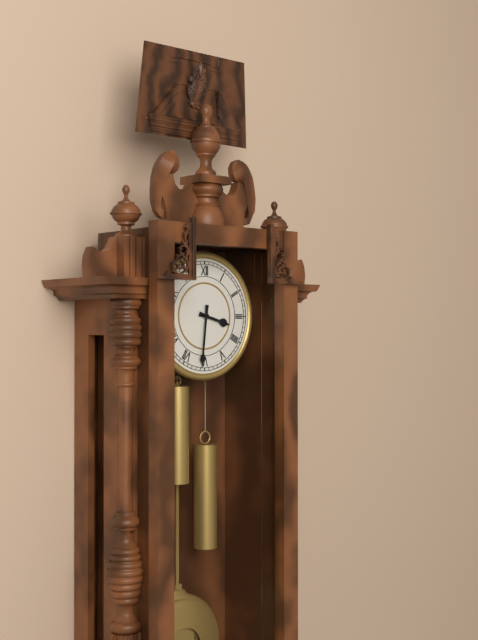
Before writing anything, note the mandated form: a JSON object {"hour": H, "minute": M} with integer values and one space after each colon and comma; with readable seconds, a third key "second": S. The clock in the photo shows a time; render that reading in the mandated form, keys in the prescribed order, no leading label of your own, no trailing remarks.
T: {"hour": 3, "minute": 31}
